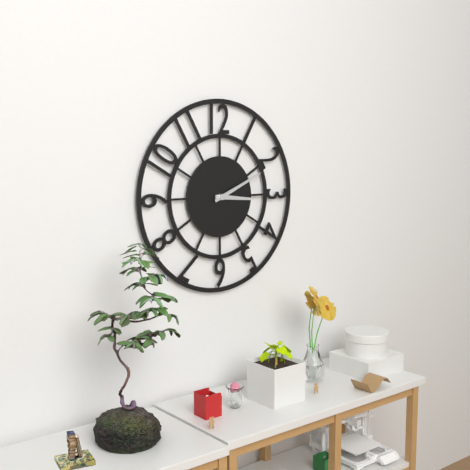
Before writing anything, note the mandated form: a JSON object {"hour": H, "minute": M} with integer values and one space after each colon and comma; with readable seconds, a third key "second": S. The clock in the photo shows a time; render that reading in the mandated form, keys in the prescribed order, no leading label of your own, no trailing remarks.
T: {"hour": 3, "minute": 11}
